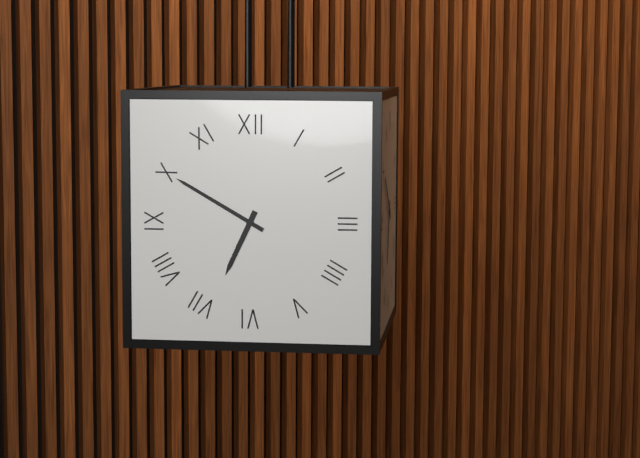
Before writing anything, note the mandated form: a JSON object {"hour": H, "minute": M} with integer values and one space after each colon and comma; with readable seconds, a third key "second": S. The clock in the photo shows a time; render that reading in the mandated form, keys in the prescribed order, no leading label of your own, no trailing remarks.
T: {"hour": 6, "minute": 50}
